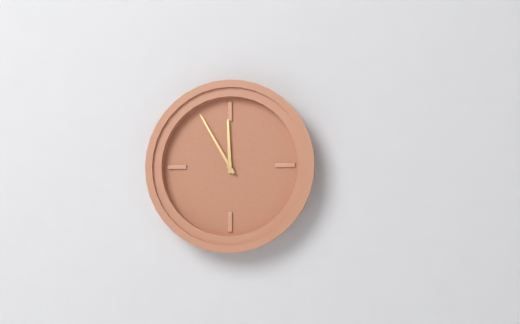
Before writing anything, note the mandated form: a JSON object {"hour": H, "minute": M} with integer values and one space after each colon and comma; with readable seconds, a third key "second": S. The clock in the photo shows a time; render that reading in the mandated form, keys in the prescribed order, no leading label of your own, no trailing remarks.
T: {"hour": 11, "minute": 55}
